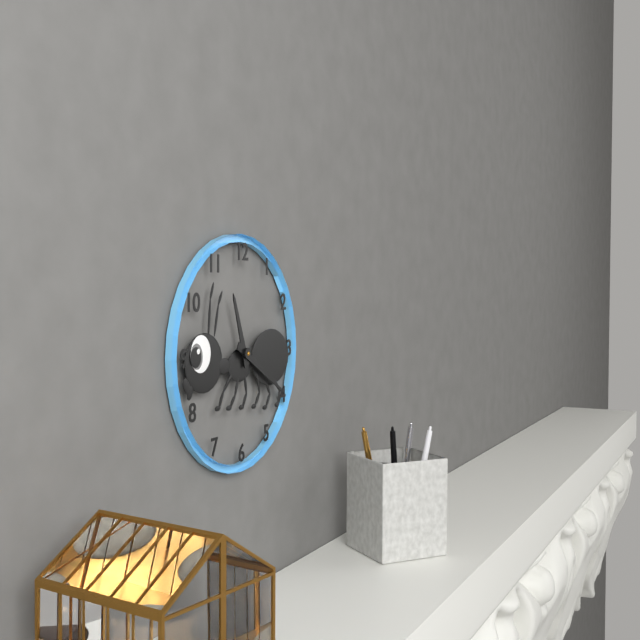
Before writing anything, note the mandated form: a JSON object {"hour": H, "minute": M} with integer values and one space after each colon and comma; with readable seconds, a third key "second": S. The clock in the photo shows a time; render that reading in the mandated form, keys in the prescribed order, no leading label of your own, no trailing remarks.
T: {"hour": 11, "minute": 20}
